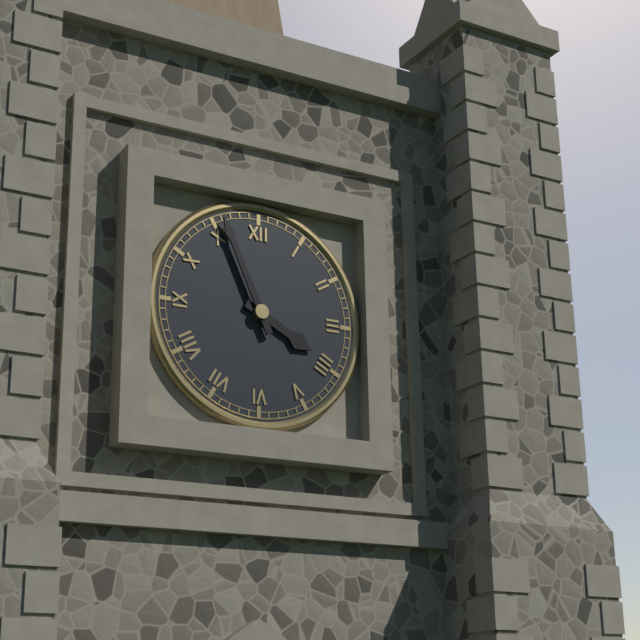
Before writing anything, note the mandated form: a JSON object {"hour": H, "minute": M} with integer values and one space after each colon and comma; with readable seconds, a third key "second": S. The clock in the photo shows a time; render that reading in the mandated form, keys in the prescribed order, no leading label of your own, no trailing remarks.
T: {"hour": 3, "minute": 56}
